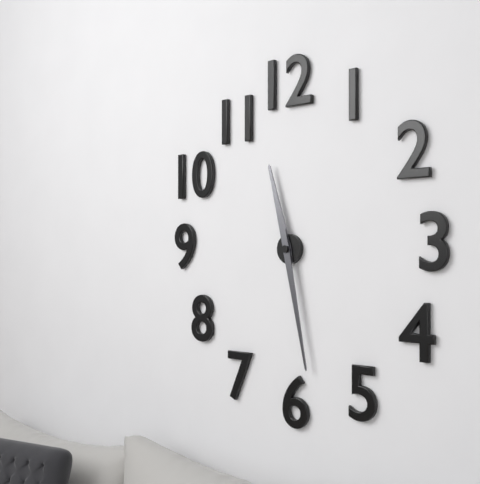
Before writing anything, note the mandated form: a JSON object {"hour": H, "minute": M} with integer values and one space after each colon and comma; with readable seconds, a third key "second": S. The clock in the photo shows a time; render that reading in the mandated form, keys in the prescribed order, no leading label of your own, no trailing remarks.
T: {"hour": 11, "minute": 28}
